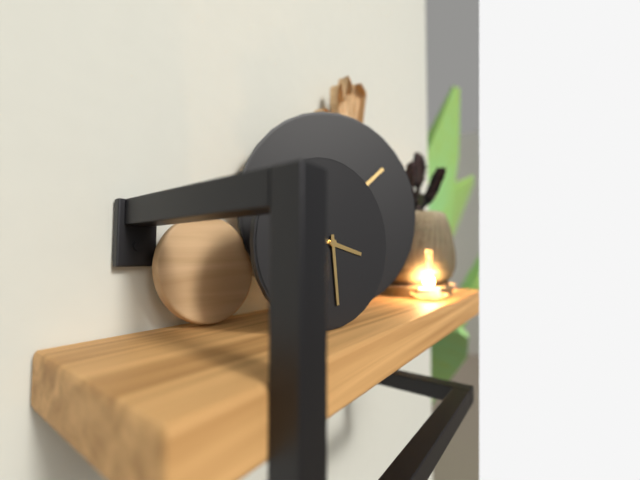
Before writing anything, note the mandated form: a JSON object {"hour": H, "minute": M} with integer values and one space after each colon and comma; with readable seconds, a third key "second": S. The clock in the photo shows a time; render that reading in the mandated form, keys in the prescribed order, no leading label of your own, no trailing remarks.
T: {"hour": 3, "minute": 29}
